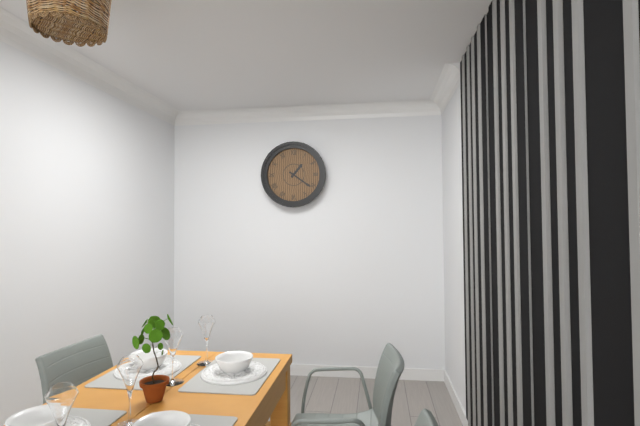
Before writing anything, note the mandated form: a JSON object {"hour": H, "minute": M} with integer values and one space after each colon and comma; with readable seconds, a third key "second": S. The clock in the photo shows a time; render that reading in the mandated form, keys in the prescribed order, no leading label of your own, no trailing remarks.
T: {"hour": 1, "minute": 21}
